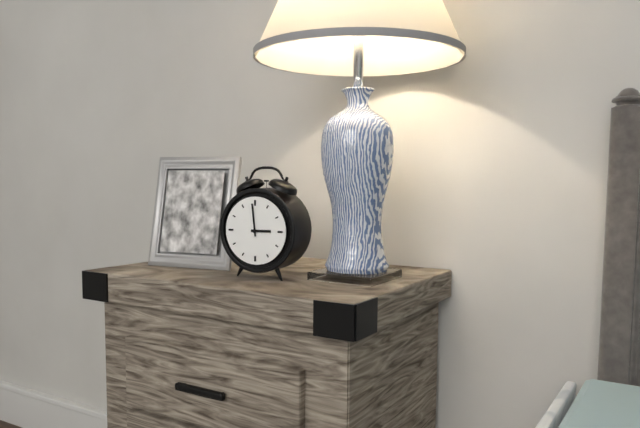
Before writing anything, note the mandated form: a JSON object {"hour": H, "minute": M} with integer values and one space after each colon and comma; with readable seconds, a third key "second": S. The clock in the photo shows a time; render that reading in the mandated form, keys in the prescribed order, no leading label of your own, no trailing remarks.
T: {"hour": 2, "minute": 59}
